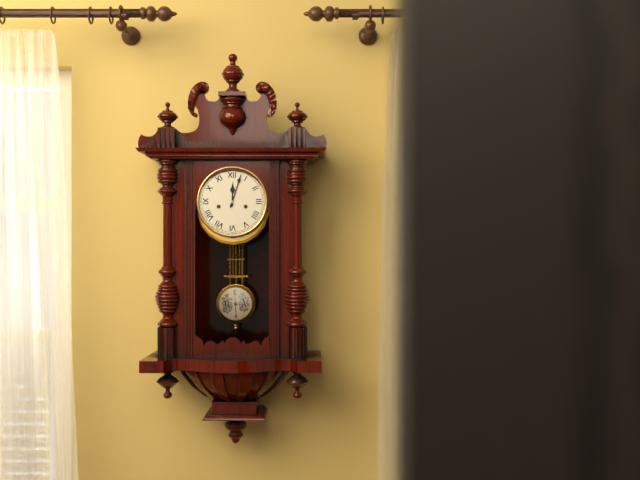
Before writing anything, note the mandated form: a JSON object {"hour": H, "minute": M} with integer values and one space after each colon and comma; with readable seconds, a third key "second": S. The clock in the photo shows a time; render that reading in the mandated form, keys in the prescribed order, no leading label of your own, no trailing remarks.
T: {"hour": 12, "minute": 3}
